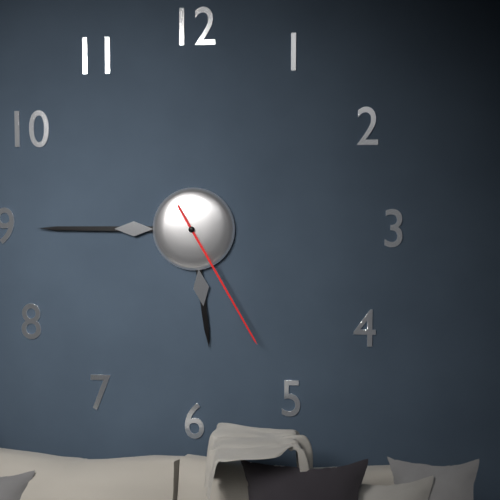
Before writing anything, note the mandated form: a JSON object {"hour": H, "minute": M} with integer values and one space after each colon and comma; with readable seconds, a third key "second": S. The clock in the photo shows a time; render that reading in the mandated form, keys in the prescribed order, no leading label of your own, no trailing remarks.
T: {"hour": 5, "minute": 45, "second": 25}
